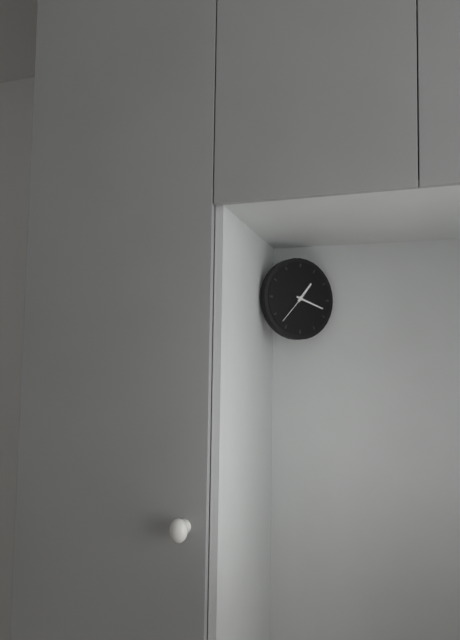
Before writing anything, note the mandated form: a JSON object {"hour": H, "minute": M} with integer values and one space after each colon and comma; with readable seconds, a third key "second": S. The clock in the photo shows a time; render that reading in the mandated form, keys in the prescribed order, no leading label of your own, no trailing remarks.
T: {"hour": 1, "minute": 18}
